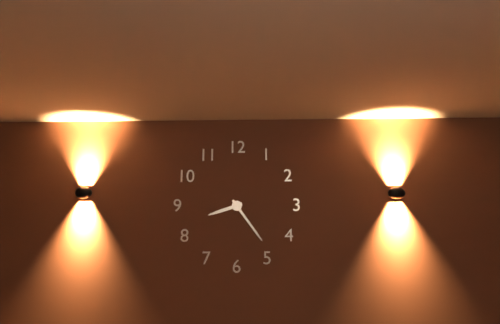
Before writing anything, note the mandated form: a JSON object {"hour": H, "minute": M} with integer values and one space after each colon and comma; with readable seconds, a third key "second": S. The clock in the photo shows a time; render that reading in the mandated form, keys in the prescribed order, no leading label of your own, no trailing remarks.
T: {"hour": 8, "minute": 24}
